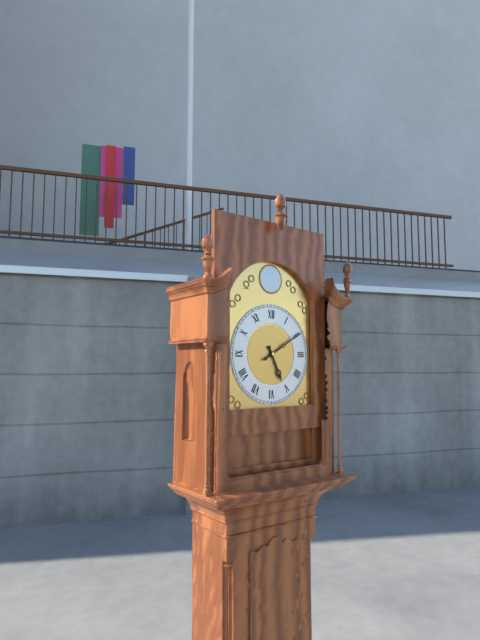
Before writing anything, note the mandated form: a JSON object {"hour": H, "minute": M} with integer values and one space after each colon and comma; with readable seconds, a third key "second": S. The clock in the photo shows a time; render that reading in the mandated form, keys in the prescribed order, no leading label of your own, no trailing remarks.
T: {"hour": 5, "minute": 10}
